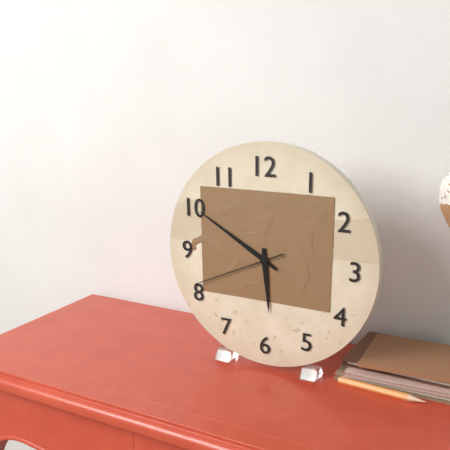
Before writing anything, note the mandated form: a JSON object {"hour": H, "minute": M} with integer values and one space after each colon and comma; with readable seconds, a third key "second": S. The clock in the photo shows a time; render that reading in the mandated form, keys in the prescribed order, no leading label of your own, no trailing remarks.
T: {"hour": 5, "minute": 50, "second": 41}
